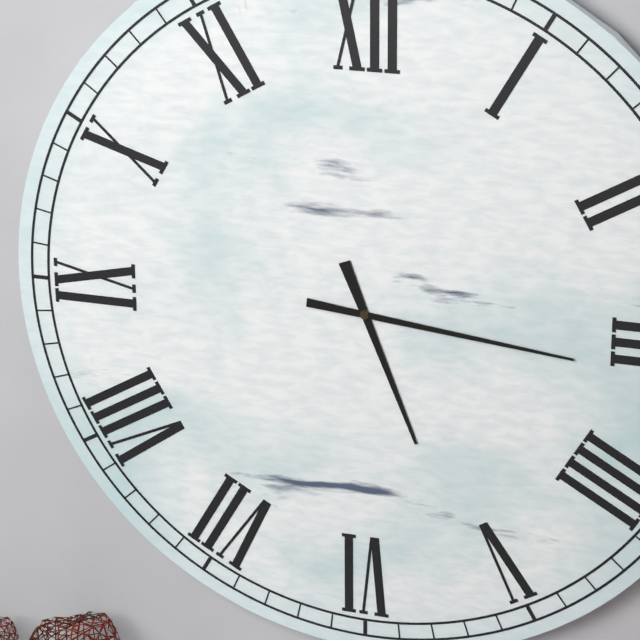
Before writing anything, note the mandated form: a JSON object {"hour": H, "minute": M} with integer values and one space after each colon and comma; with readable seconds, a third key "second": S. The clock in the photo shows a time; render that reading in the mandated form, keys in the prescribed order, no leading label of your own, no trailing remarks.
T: {"hour": 5, "minute": 16}
